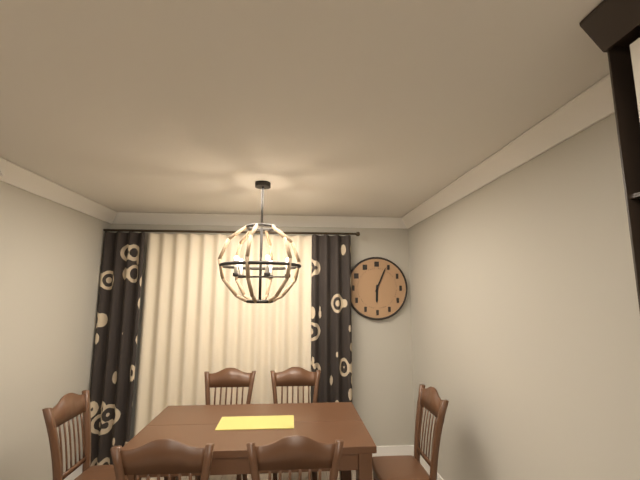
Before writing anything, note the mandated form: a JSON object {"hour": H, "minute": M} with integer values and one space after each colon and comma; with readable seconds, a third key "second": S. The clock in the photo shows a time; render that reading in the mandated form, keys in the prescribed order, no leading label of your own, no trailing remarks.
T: {"hour": 6, "minute": 4}
